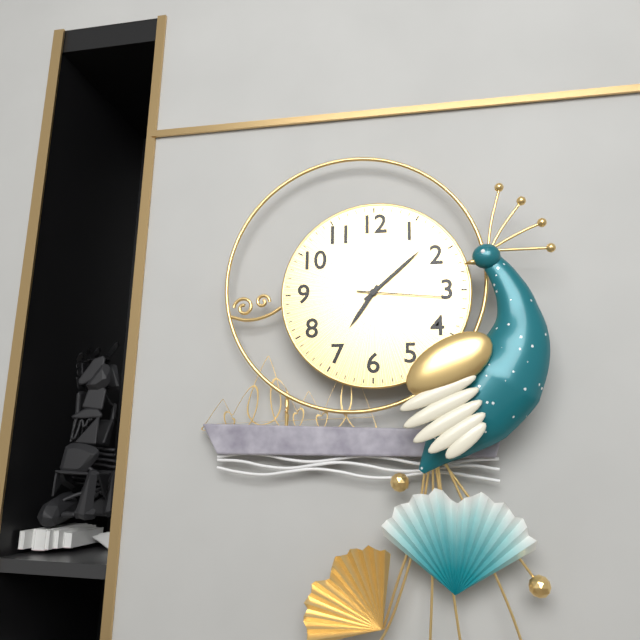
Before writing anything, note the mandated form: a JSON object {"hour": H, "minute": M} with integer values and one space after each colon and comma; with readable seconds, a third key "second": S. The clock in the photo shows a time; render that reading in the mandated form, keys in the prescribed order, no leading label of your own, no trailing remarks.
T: {"hour": 7, "minute": 8, "second": 16}
